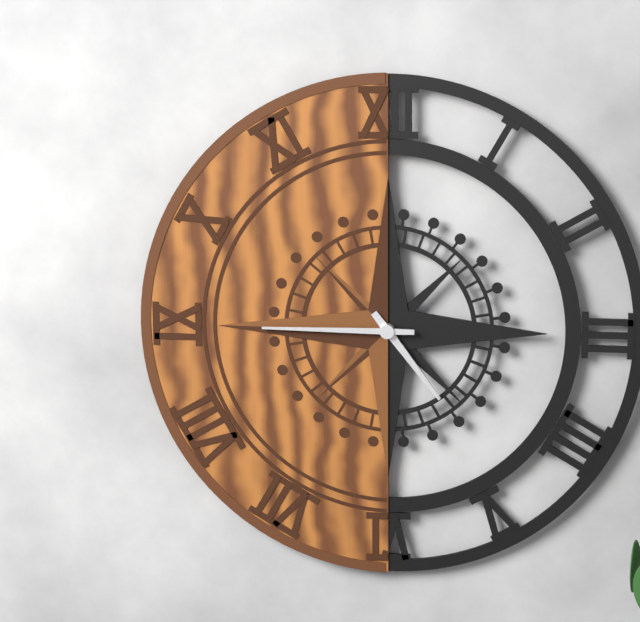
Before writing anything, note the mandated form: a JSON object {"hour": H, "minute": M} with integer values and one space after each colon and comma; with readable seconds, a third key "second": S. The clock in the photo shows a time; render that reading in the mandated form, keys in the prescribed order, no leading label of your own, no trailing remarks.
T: {"hour": 4, "minute": 45}
